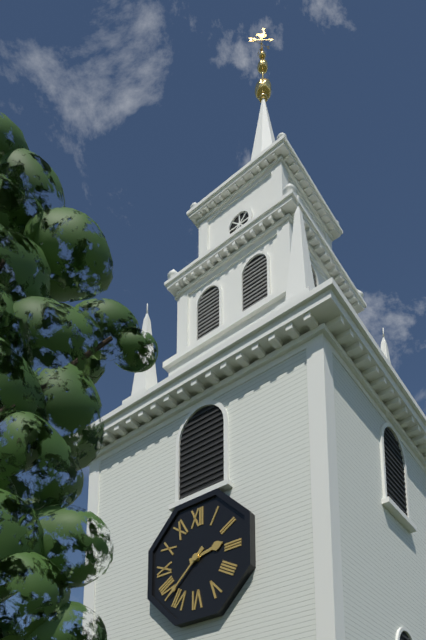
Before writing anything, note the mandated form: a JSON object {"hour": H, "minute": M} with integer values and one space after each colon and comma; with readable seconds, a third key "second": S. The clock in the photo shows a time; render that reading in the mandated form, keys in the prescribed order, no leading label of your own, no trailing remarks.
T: {"hour": 2, "minute": 38}
